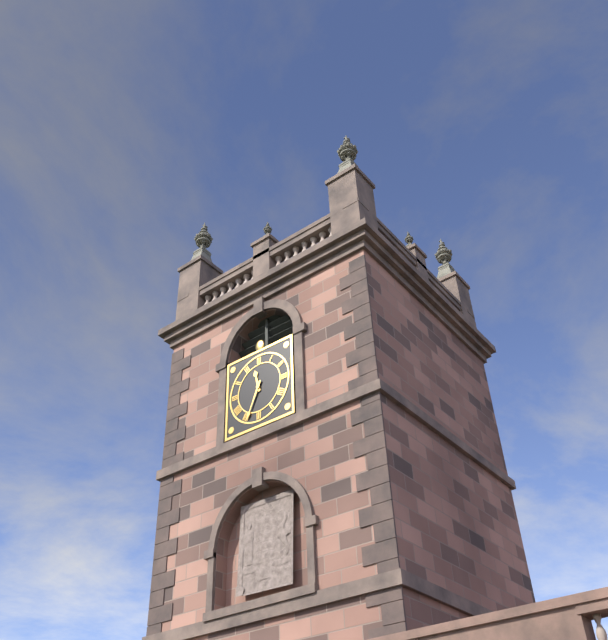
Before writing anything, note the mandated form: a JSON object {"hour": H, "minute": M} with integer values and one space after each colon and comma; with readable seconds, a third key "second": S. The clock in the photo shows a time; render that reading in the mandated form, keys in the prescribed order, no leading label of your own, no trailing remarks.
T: {"hour": 11, "minute": 34}
